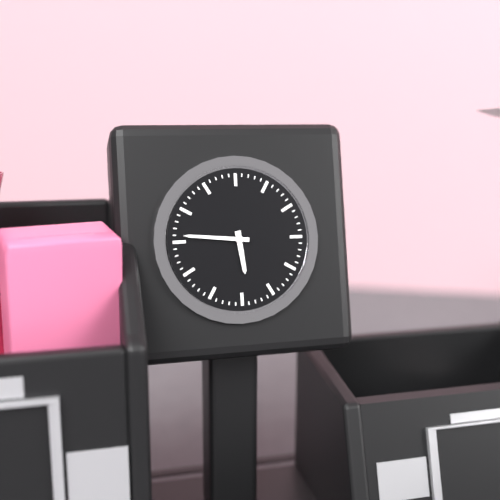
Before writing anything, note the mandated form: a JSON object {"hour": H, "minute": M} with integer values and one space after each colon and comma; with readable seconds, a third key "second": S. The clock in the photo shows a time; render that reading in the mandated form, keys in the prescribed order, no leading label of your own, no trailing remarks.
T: {"hour": 5, "minute": 46}
